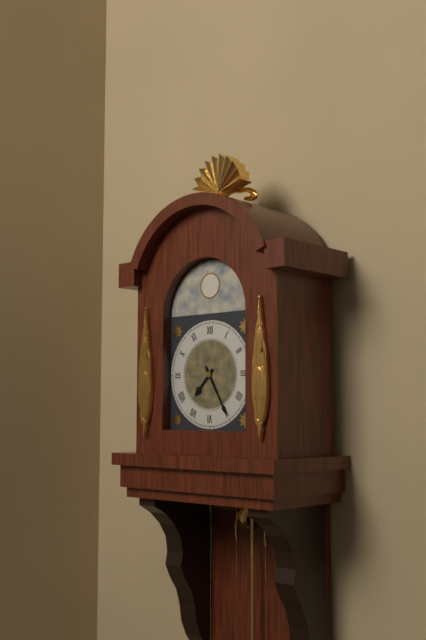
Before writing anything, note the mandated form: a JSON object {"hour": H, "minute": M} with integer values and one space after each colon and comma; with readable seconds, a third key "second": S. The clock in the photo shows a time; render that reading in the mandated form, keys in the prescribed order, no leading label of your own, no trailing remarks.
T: {"hour": 7, "minute": 25}
